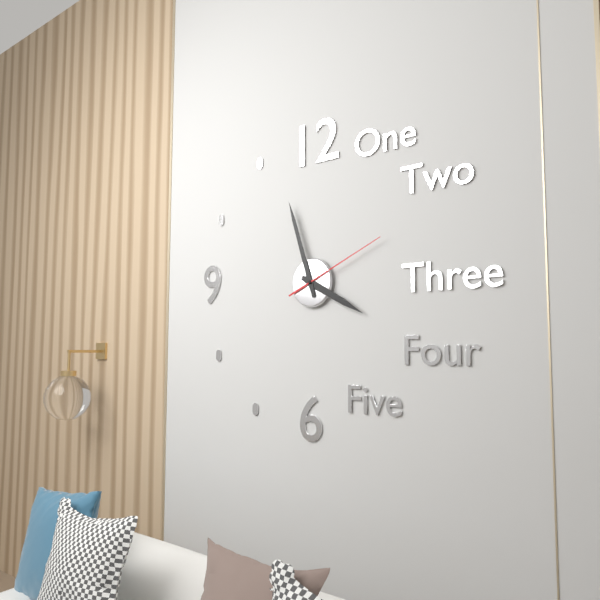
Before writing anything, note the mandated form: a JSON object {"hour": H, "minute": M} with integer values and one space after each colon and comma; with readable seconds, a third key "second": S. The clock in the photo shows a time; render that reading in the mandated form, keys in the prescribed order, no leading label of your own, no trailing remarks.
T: {"hour": 3, "minute": 57, "second": 11}
